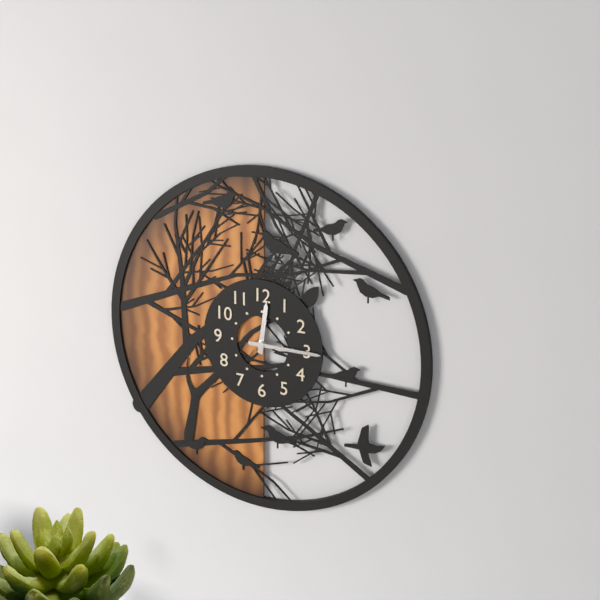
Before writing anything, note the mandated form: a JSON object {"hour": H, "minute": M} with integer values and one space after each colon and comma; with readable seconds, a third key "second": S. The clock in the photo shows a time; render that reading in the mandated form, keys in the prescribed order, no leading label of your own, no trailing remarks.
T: {"hour": 12, "minute": 15}
